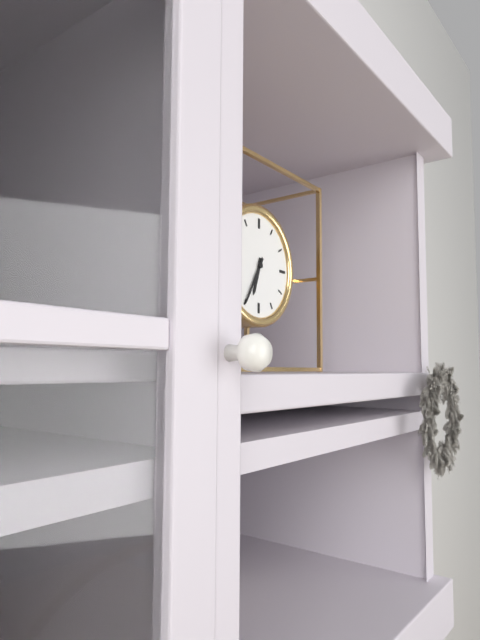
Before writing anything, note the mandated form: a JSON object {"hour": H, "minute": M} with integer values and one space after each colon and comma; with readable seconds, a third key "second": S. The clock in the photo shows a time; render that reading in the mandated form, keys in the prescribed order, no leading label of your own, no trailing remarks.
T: {"hour": 6, "minute": 35}
